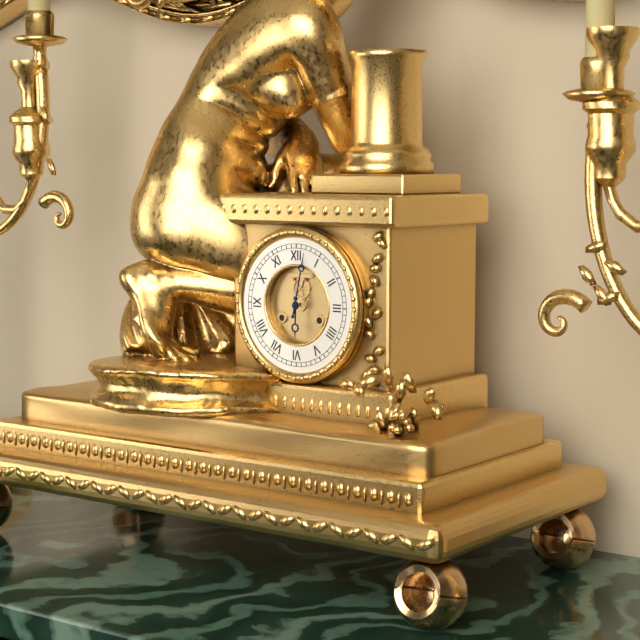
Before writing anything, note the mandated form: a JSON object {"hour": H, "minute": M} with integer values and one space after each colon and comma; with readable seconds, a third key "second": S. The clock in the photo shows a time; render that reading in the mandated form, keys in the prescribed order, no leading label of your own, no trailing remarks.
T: {"hour": 6, "minute": 2}
